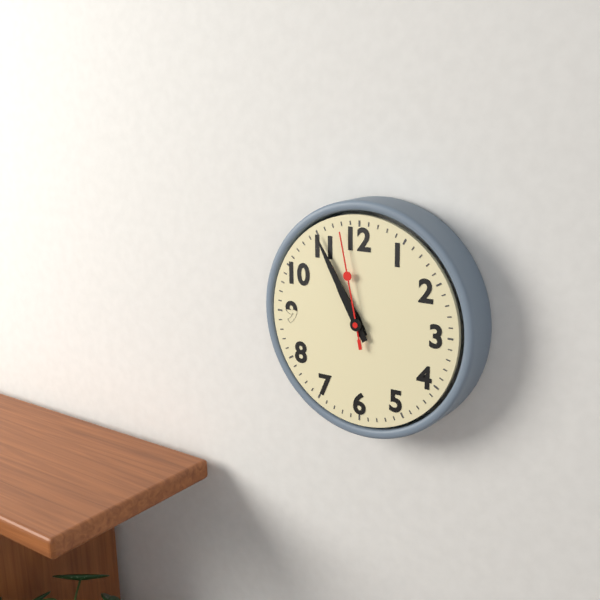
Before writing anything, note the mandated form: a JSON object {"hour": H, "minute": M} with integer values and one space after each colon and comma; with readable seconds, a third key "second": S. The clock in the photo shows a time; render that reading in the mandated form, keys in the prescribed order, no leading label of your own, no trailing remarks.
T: {"hour": 10, "minute": 55, "second": 58}
